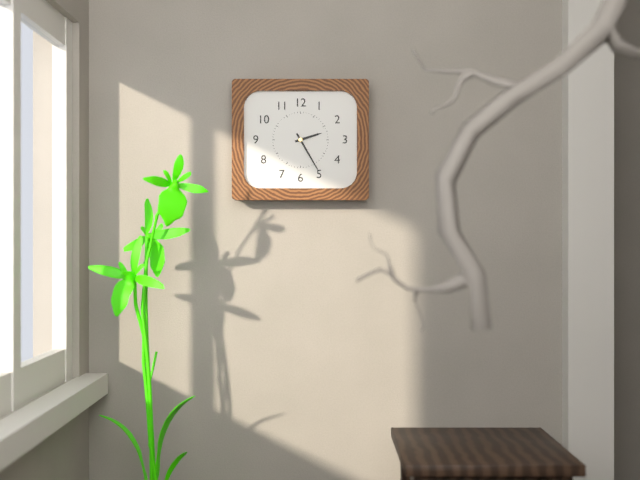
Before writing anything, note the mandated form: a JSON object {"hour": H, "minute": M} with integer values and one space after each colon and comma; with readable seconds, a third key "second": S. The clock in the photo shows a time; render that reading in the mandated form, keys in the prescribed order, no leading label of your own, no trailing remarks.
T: {"hour": 2, "minute": 25}
